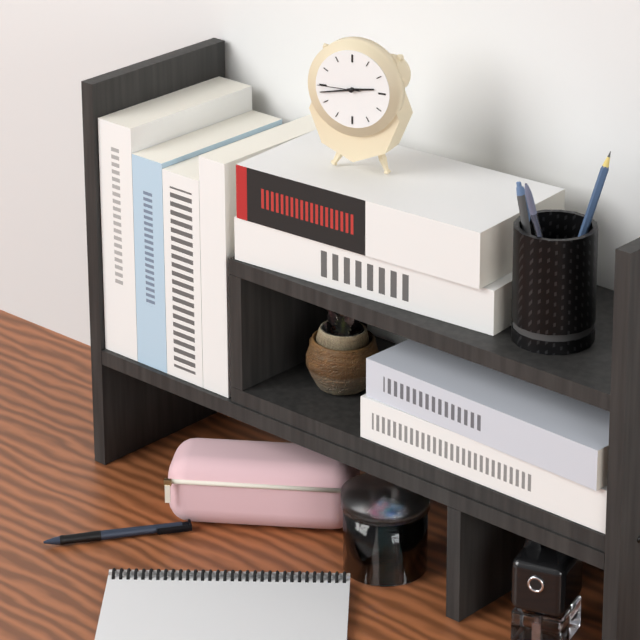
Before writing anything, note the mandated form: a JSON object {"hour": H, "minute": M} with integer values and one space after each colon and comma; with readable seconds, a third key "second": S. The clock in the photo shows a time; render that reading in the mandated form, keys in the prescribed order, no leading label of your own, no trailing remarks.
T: {"hour": 2, "minute": 43}
